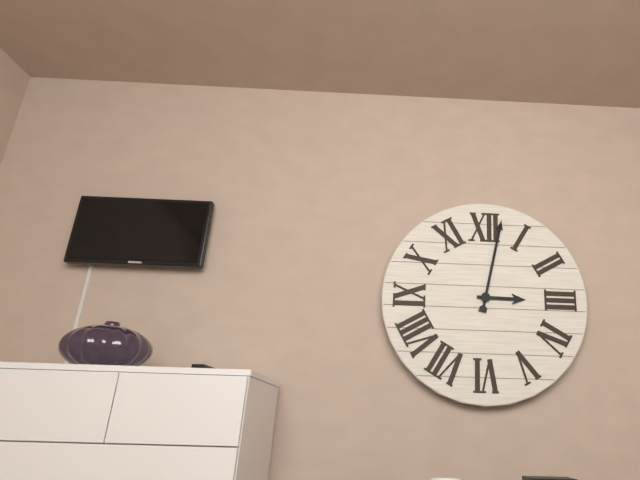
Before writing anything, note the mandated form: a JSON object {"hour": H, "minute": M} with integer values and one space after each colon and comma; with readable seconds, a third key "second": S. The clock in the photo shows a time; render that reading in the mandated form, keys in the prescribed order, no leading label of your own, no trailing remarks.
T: {"hour": 3, "minute": 2}
